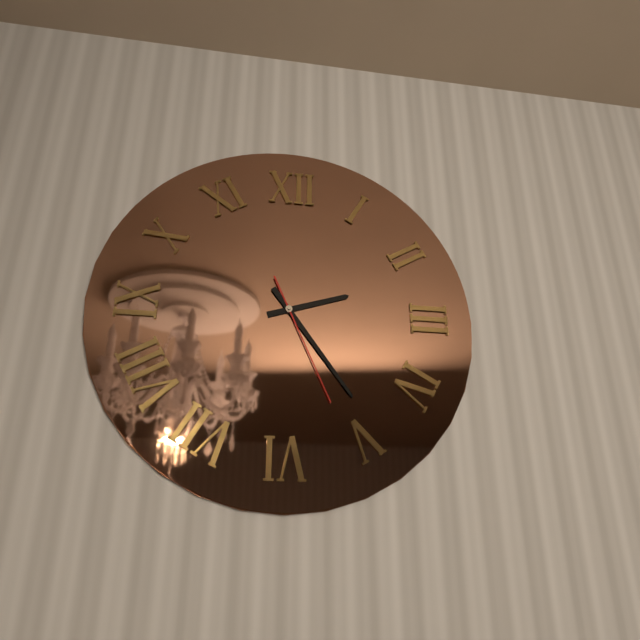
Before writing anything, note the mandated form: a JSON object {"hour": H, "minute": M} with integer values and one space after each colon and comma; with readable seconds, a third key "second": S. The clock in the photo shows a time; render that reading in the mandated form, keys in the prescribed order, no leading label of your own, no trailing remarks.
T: {"hour": 2, "minute": 24, "second": 26}
